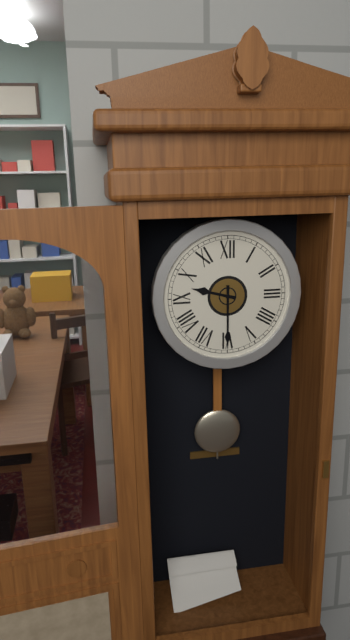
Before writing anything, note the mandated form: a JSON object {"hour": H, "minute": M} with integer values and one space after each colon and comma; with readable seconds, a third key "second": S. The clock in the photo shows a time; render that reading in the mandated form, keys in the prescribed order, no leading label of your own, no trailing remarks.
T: {"hour": 9, "minute": 30}
